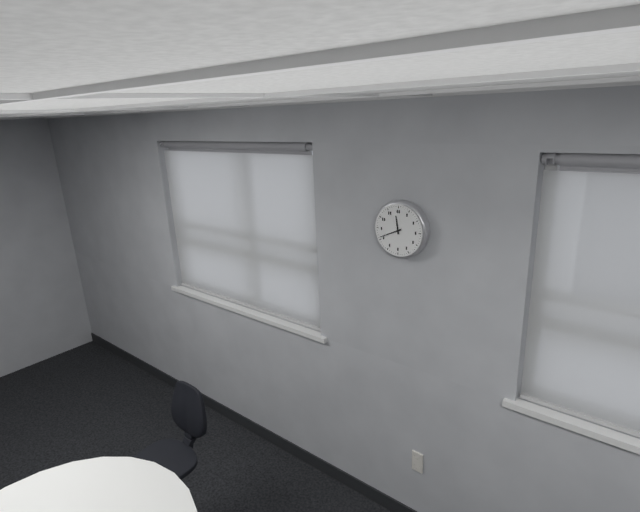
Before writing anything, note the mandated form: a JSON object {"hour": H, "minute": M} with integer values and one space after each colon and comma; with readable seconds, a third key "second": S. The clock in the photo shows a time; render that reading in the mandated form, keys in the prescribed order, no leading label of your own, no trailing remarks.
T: {"hour": 11, "minute": 41}
